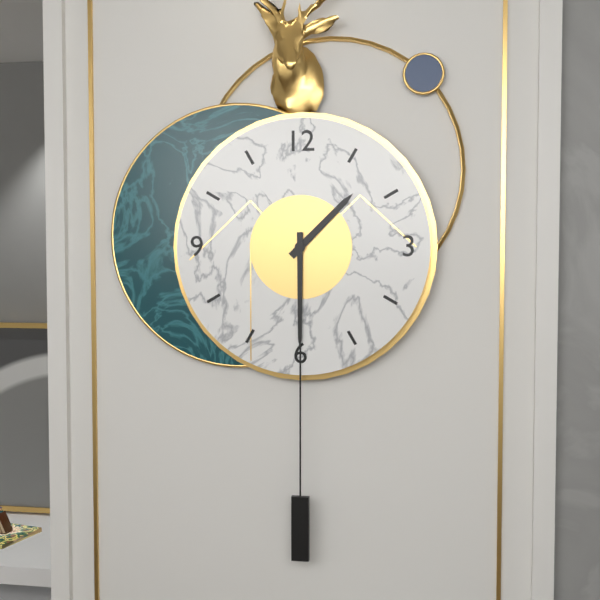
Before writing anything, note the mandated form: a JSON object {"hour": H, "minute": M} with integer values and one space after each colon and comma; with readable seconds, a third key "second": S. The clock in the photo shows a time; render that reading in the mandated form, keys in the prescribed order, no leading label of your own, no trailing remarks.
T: {"hour": 1, "minute": 30}
